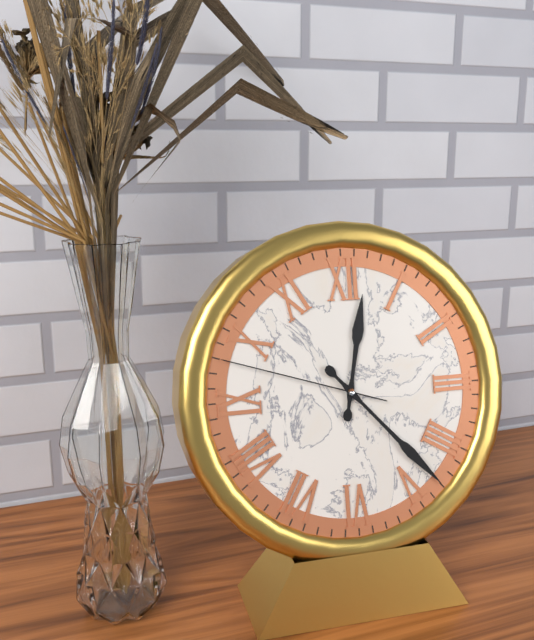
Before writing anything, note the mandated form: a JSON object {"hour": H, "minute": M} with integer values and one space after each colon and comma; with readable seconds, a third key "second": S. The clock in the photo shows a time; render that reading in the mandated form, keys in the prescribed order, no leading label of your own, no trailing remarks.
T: {"hour": 12, "minute": 23, "second": 48}
